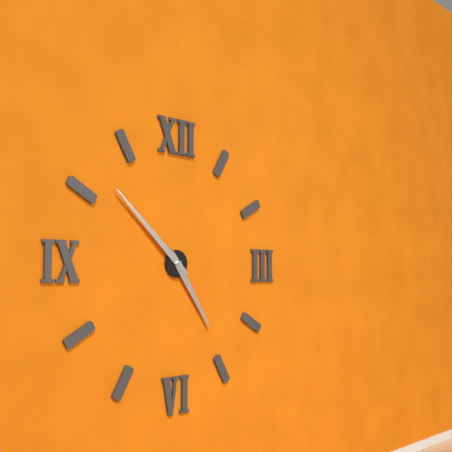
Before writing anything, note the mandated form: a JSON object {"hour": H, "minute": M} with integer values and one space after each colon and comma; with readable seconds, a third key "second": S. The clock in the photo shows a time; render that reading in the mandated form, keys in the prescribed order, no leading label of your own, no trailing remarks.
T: {"hour": 4, "minute": 52}
